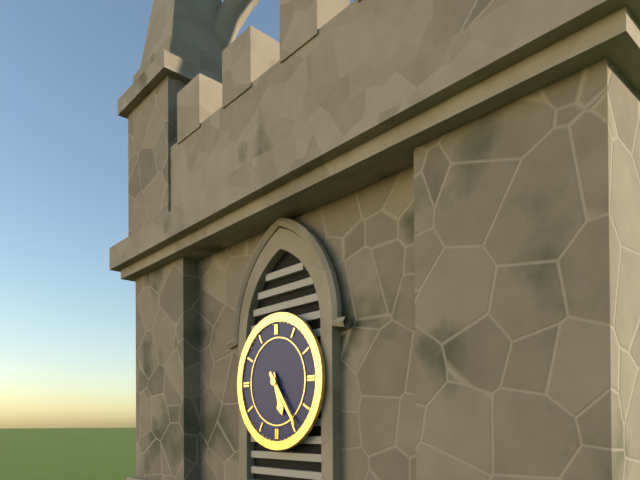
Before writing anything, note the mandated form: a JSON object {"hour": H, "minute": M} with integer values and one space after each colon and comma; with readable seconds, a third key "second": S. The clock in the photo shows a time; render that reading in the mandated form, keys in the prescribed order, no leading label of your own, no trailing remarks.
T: {"hour": 5, "minute": 24}
